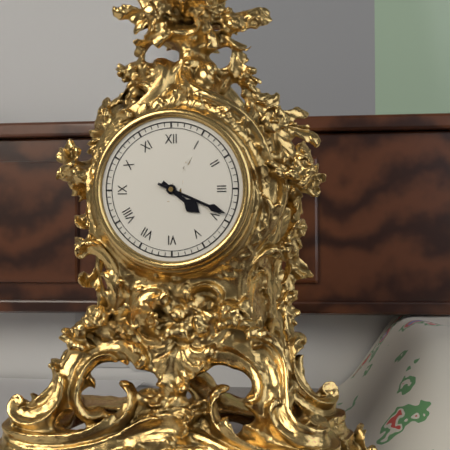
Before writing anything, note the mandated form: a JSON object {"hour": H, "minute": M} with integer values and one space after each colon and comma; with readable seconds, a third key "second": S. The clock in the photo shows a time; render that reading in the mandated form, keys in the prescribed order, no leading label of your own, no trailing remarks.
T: {"hour": 4, "minute": 19}
